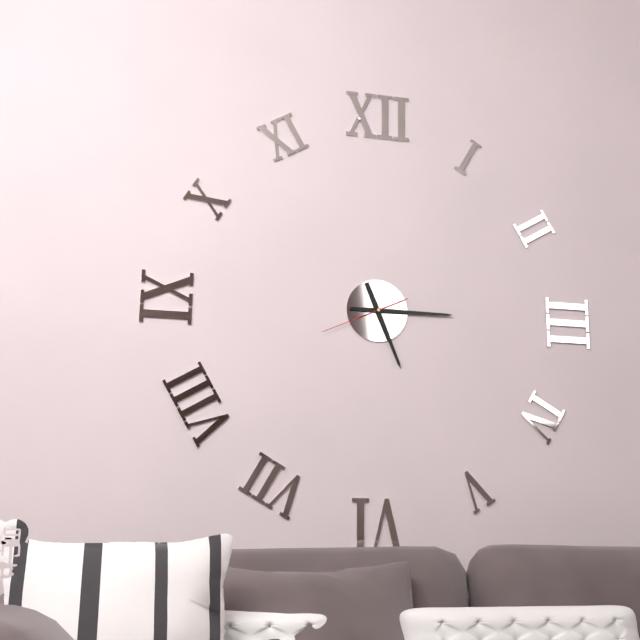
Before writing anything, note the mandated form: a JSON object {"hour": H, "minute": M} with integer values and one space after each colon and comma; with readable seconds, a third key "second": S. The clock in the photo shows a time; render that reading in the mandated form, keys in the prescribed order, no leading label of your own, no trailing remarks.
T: {"hour": 5, "minute": 15, "second": 41}
